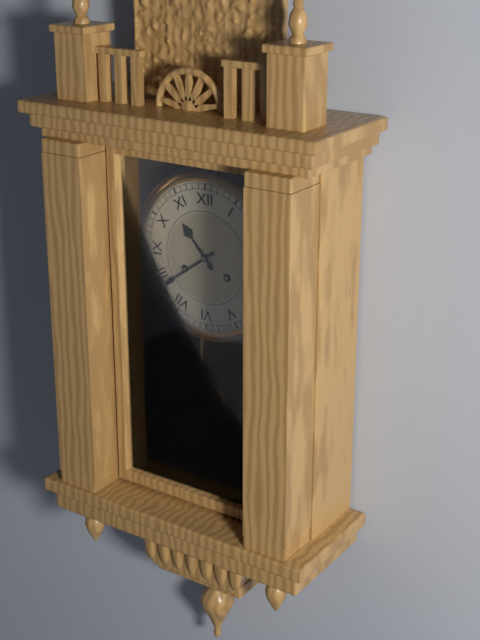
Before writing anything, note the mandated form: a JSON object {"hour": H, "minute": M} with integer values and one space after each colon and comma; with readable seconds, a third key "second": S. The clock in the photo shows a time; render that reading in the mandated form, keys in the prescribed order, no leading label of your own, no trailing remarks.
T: {"hour": 10, "minute": 39}
